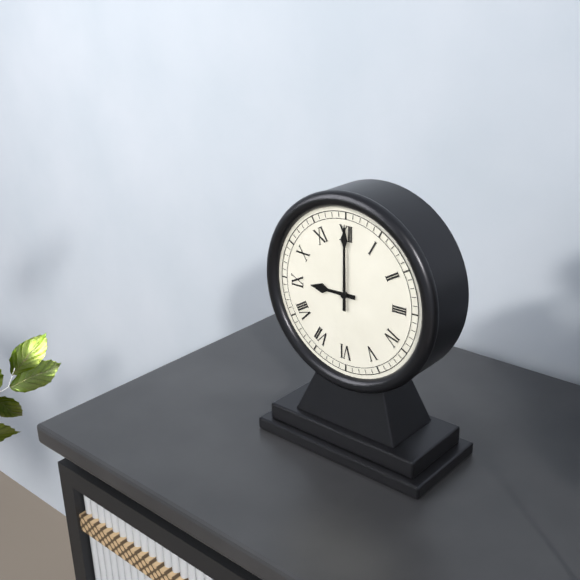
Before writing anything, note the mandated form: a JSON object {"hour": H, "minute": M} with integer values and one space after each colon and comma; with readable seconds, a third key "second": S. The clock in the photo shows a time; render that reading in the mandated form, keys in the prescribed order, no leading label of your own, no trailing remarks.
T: {"hour": 9, "minute": 0}
